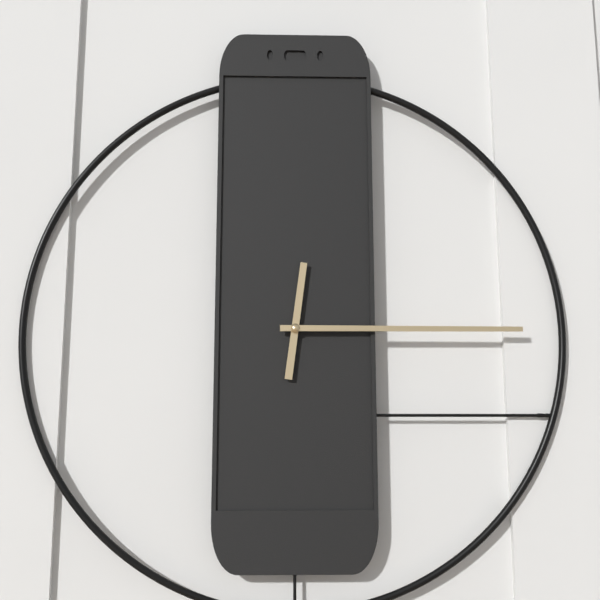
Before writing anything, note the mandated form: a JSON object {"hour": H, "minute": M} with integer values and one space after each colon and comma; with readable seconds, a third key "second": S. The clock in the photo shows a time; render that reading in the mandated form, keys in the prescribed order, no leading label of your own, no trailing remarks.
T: {"hour": 12, "minute": 15}
